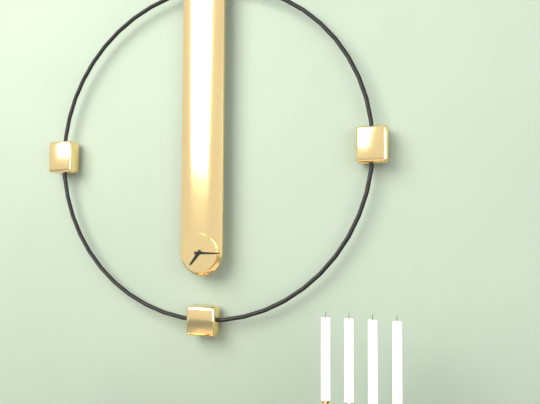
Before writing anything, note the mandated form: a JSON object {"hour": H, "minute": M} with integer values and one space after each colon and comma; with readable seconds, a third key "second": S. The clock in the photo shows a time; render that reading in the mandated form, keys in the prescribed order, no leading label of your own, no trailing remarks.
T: {"hour": 7, "minute": 15}
